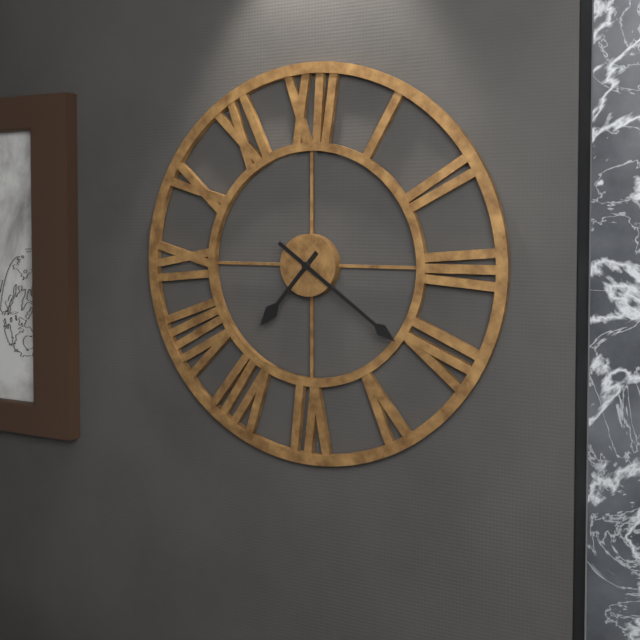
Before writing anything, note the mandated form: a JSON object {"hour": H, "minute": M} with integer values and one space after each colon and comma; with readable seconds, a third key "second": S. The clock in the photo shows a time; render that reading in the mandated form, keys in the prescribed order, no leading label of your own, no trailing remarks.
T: {"hour": 7, "minute": 21}
